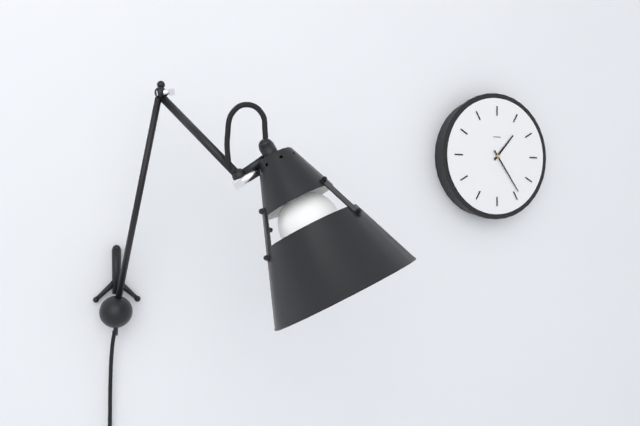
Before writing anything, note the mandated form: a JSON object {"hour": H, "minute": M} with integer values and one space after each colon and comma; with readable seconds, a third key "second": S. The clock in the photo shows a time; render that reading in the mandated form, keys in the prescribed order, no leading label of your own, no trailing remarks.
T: {"hour": 1, "minute": 24}
